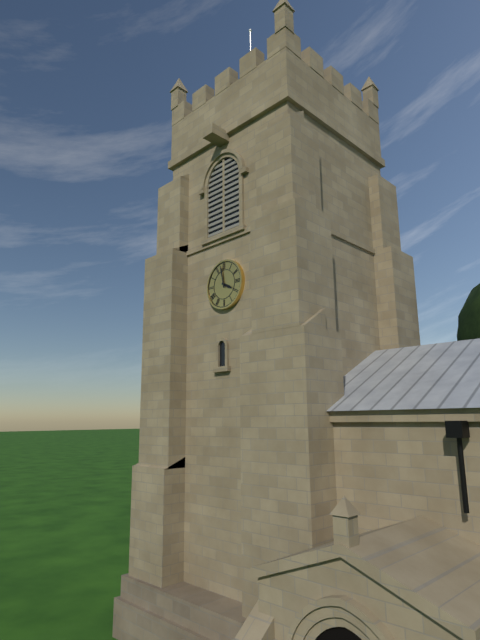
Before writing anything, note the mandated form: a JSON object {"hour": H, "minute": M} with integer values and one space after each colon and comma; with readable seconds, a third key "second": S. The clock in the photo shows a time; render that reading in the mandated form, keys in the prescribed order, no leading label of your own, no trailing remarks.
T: {"hour": 3, "minute": 58}
